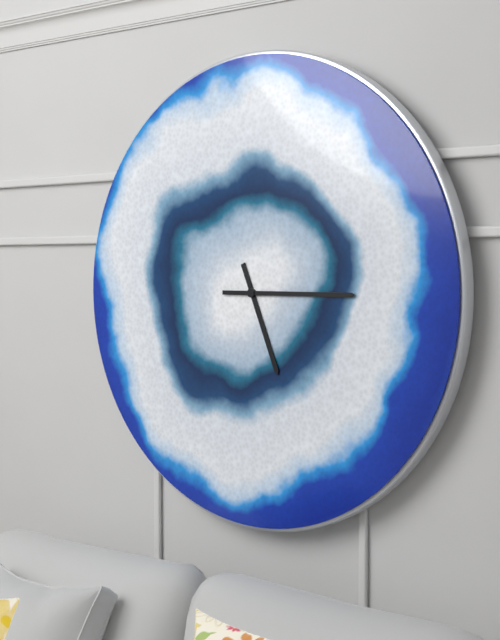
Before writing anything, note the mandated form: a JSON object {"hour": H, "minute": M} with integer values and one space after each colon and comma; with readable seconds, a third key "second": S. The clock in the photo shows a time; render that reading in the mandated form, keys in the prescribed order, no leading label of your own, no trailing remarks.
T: {"hour": 5, "minute": 15}
